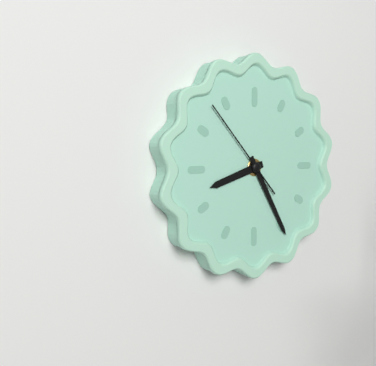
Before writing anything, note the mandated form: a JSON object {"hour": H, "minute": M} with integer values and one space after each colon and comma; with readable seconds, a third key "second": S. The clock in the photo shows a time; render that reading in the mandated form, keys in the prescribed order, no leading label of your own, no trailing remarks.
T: {"hour": 8, "minute": 25, "second": 53}
